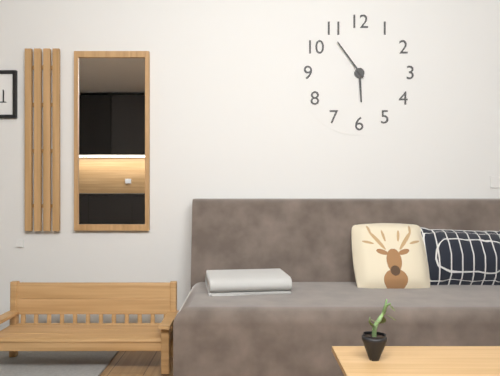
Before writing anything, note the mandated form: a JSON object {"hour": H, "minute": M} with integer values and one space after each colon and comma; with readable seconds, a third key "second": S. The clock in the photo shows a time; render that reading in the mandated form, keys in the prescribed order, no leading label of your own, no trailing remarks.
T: {"hour": 5, "minute": 54}
